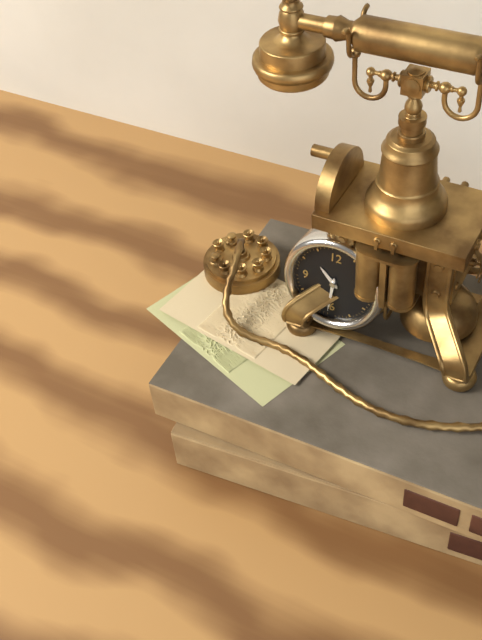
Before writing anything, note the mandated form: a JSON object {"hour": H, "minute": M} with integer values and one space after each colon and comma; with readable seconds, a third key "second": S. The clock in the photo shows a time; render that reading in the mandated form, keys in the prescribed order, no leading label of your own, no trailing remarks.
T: {"hour": 10, "minute": 31}
